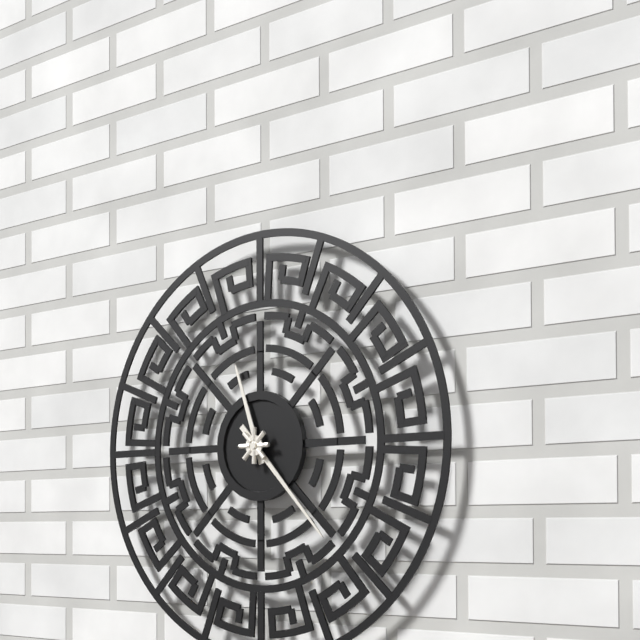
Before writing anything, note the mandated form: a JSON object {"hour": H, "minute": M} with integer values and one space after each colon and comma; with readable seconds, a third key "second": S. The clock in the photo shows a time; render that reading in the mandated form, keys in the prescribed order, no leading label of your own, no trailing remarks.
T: {"hour": 11, "minute": 23}
